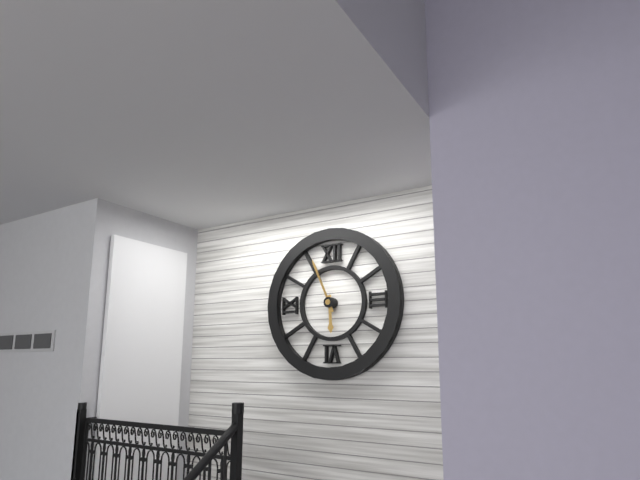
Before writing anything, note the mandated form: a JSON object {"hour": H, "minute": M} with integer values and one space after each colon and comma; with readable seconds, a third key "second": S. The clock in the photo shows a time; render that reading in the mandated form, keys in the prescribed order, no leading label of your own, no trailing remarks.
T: {"hour": 5, "minute": 56}
